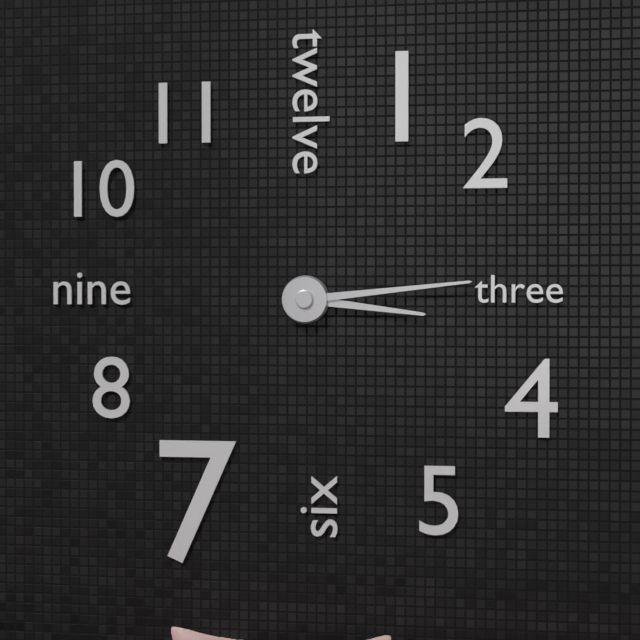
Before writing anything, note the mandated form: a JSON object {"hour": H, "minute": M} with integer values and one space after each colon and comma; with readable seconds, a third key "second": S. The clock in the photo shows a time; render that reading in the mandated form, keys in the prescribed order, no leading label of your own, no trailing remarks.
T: {"hour": 3, "minute": 14}
